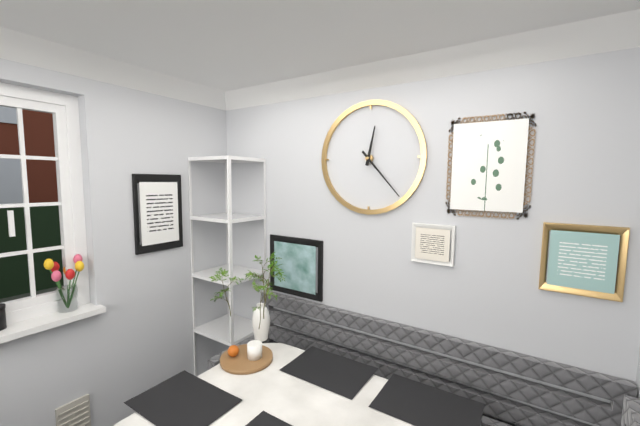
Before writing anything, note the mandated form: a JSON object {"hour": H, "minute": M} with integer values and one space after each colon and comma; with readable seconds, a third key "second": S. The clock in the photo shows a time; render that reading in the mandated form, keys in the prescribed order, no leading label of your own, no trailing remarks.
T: {"hour": 12, "minute": 23}
